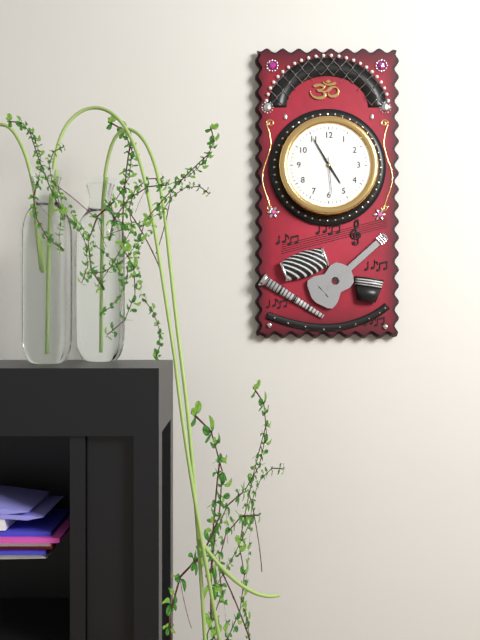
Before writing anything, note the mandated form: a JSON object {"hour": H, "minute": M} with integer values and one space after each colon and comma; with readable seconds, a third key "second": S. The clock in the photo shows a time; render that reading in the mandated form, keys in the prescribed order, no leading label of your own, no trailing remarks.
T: {"hour": 4, "minute": 55}
